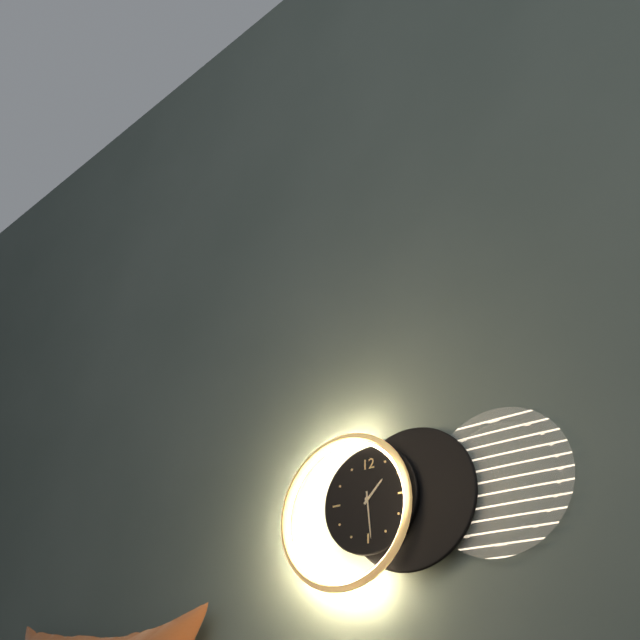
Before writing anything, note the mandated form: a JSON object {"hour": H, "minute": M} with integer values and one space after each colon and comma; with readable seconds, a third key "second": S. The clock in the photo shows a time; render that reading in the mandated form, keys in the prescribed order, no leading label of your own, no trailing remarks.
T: {"hour": 1, "minute": 29}
